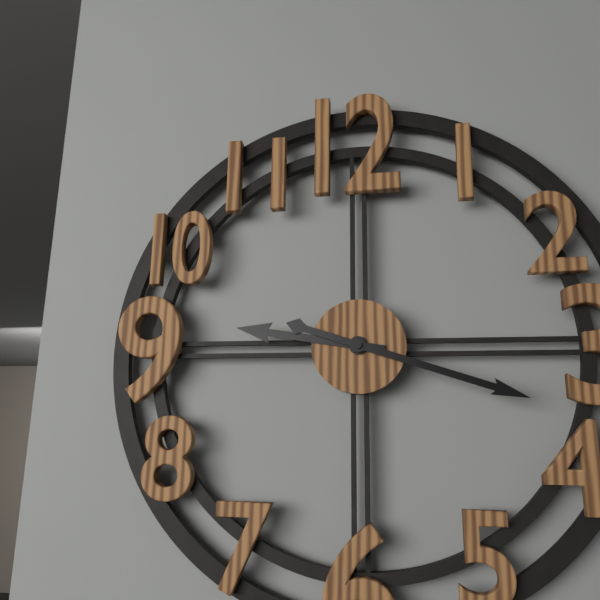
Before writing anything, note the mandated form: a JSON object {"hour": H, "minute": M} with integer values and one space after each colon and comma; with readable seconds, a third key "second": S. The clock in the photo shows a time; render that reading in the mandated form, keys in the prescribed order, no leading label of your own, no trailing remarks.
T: {"hour": 9, "minute": 18}
